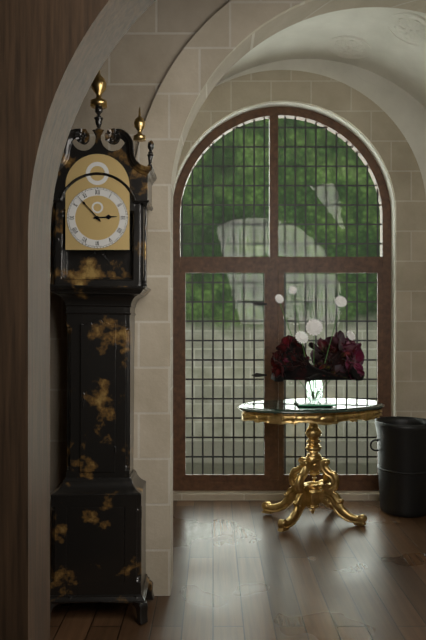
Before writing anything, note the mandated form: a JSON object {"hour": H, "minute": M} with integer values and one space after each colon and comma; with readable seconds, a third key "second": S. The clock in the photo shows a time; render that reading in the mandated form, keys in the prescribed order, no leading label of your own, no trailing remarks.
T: {"hour": 2, "minute": 53}
